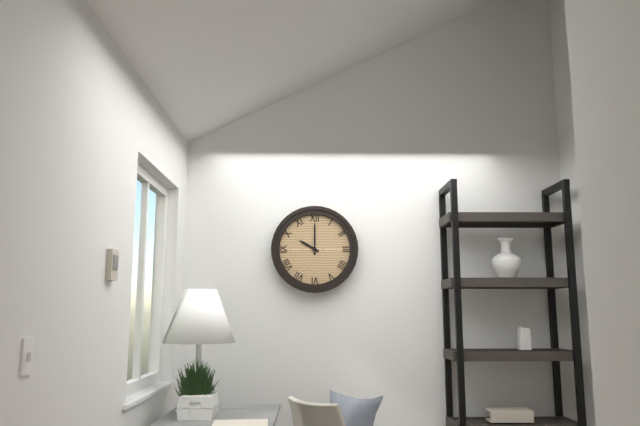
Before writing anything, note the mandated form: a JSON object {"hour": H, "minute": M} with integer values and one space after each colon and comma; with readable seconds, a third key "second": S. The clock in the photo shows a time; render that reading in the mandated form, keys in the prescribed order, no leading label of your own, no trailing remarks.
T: {"hour": 10, "minute": 0}
